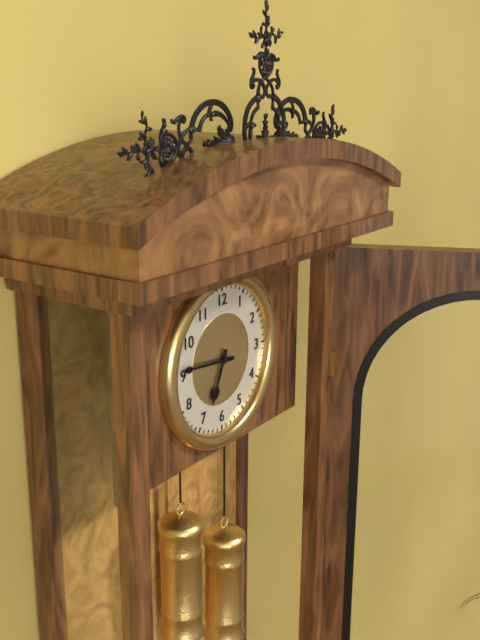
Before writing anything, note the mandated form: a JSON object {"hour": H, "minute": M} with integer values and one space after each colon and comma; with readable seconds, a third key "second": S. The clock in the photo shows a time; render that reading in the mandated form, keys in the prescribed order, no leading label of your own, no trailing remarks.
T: {"hour": 6, "minute": 46}
